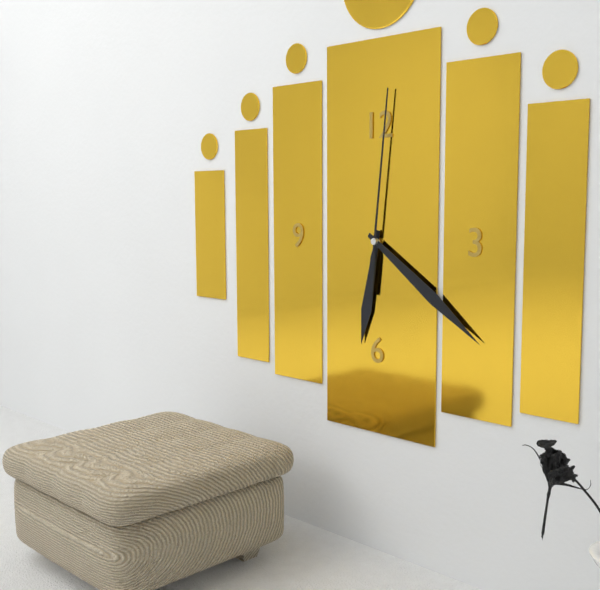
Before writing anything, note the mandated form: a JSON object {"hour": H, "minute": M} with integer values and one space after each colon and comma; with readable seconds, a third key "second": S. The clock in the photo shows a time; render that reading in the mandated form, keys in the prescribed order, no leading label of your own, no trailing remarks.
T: {"hour": 6, "minute": 21, "second": 1}
